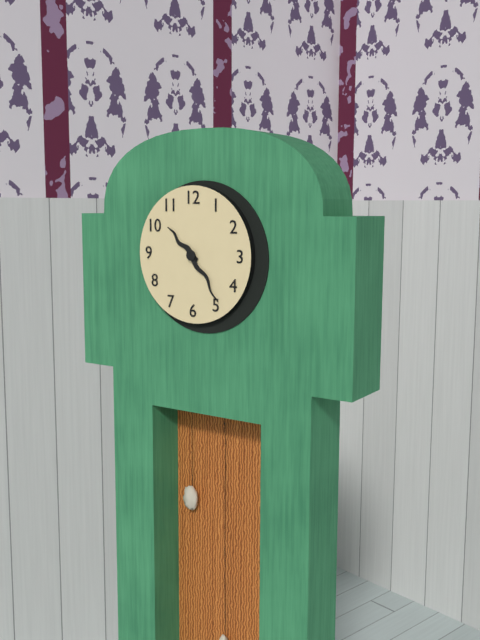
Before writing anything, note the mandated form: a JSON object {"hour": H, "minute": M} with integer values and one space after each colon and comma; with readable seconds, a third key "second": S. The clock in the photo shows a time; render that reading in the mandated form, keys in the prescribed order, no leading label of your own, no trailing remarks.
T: {"hour": 10, "minute": 24}
